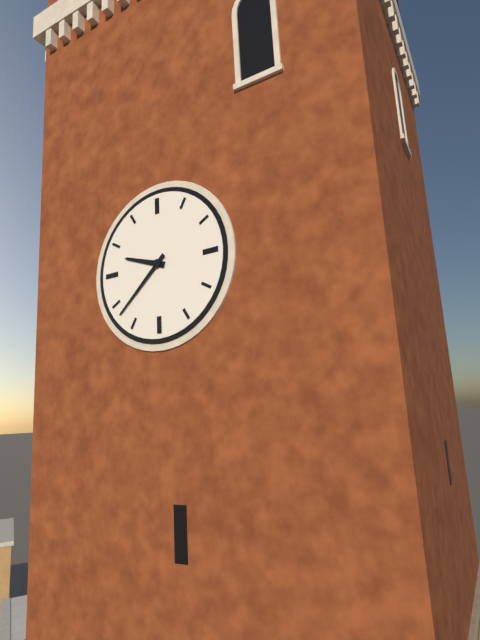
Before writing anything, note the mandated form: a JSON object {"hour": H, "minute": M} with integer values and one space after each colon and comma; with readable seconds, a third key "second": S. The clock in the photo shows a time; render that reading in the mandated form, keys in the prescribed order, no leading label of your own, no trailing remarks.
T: {"hour": 9, "minute": 38}
